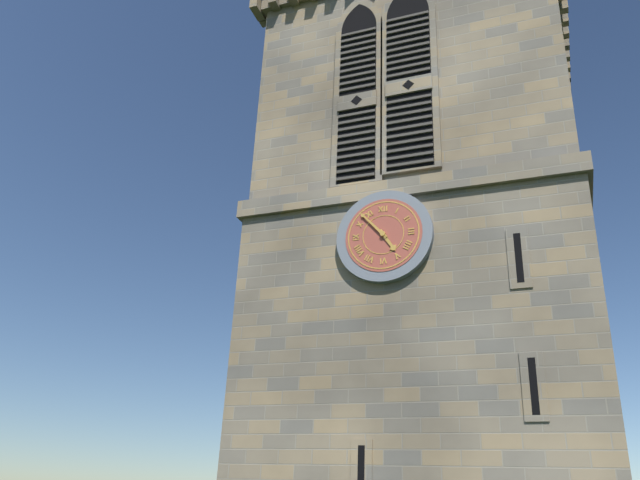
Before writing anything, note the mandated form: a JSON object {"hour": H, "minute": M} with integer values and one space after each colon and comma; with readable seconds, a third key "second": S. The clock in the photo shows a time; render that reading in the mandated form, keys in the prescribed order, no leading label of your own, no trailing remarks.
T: {"hour": 4, "minute": 53}
